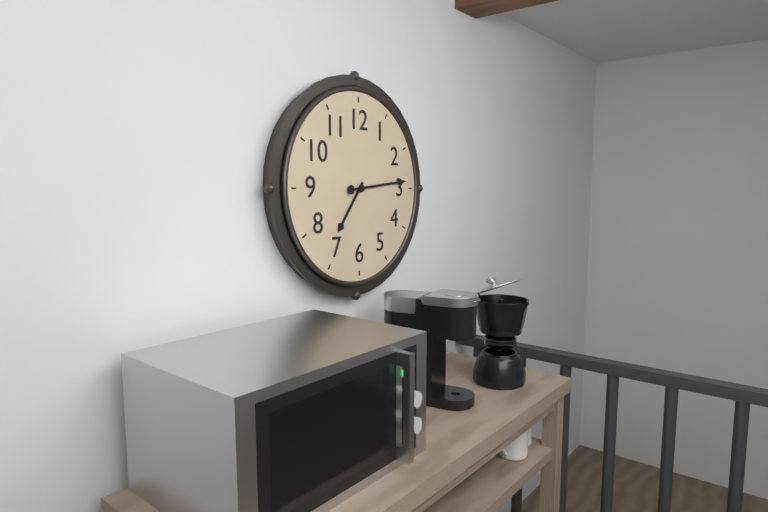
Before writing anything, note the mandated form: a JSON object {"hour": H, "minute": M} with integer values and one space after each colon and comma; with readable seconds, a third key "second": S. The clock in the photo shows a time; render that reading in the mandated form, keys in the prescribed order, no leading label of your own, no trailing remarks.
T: {"hour": 7, "minute": 14}
